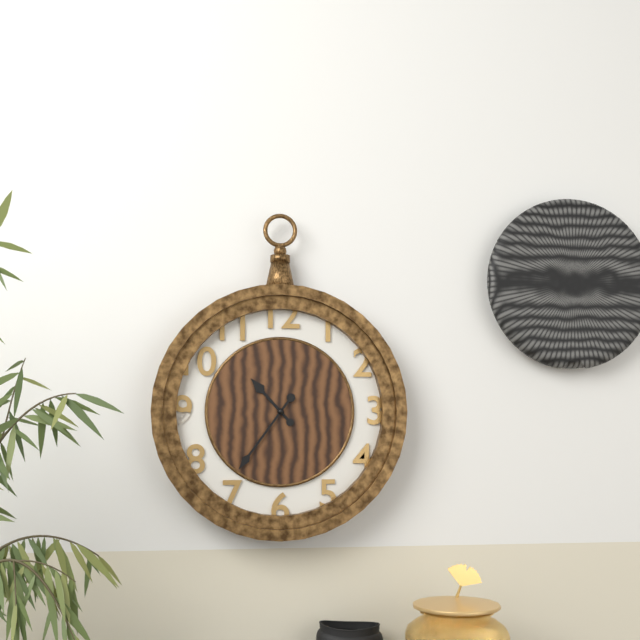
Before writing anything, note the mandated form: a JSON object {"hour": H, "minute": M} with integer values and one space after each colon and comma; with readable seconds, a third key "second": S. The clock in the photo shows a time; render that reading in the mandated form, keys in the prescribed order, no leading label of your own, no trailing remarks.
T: {"hour": 10, "minute": 36}
